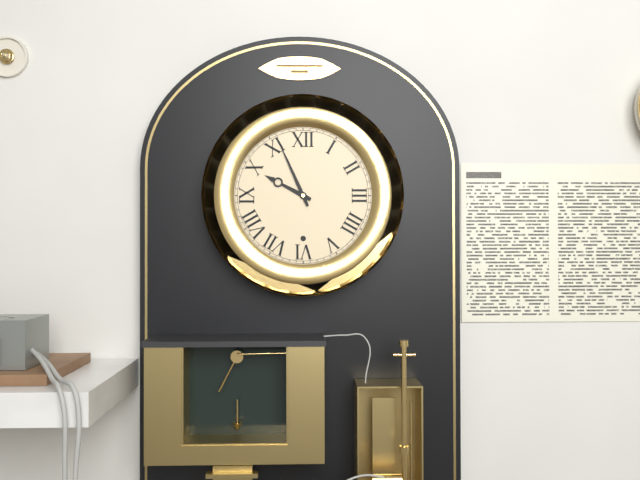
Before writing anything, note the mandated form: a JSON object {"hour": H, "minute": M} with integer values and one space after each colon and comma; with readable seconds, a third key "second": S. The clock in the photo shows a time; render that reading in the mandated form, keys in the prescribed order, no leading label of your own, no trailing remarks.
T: {"hour": 9, "minute": 56}
